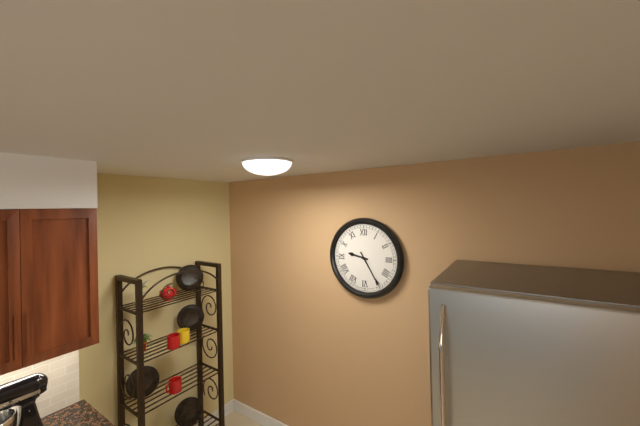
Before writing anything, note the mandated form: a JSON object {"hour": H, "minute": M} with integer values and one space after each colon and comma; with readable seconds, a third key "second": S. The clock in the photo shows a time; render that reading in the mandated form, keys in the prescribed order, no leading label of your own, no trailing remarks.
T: {"hour": 9, "minute": 25}
